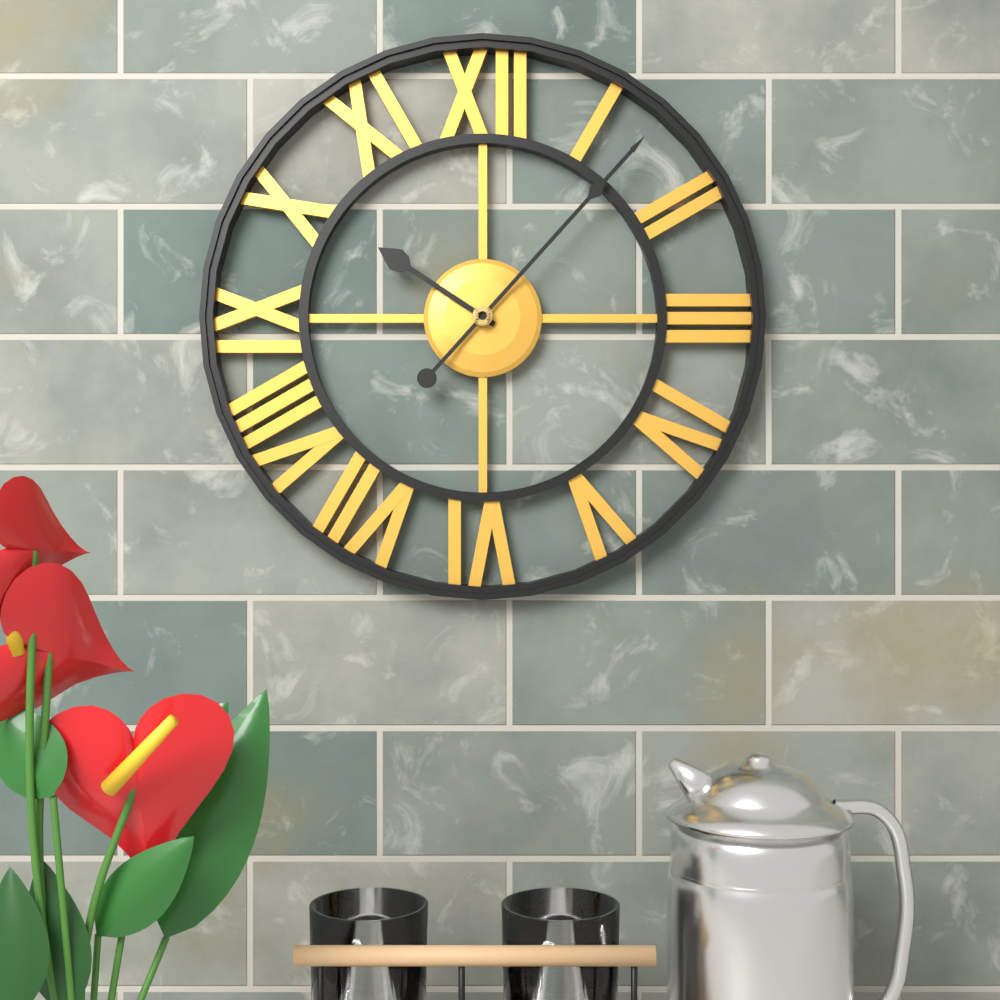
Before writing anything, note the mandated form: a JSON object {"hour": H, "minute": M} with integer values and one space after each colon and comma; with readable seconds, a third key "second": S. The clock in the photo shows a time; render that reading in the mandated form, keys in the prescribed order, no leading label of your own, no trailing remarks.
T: {"hour": 10, "minute": 7}
